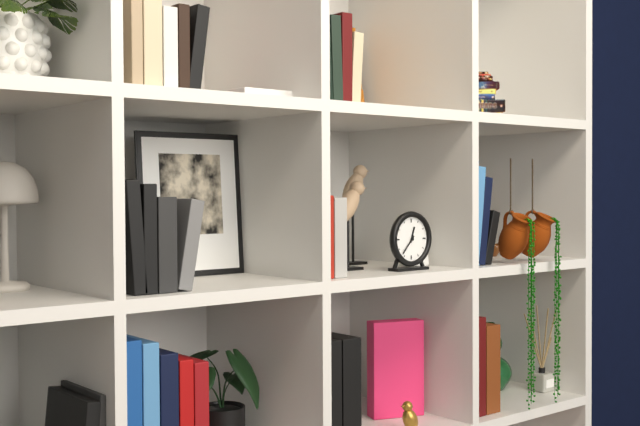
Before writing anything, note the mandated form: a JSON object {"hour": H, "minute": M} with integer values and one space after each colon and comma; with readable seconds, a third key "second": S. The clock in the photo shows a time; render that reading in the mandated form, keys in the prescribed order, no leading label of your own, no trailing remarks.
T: {"hour": 12, "minute": 37}
